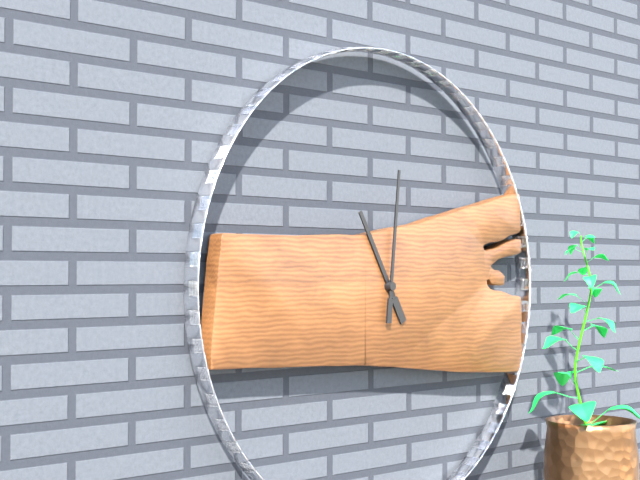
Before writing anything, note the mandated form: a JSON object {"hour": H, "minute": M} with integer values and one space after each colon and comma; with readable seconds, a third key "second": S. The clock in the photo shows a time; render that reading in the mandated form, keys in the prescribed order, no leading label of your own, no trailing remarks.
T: {"hour": 11, "minute": 1}
